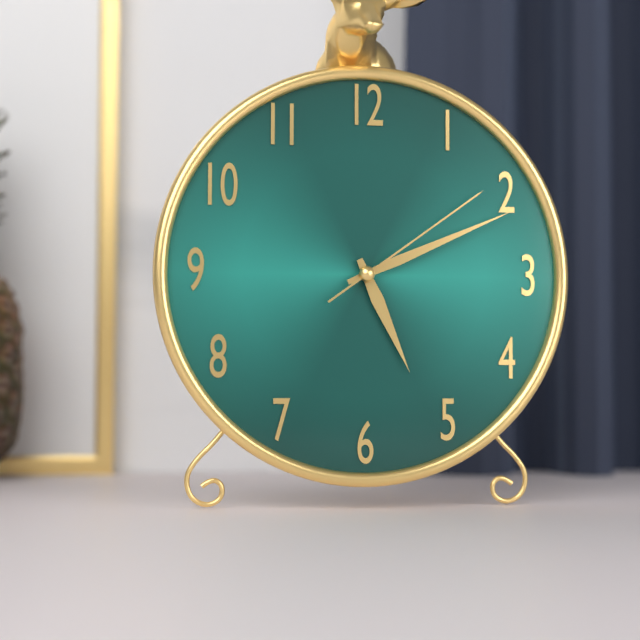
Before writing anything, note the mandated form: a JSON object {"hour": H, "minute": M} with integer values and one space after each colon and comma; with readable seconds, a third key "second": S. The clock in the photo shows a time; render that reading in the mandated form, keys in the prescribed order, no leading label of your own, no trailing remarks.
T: {"hour": 5, "minute": 11, "second": 9}
